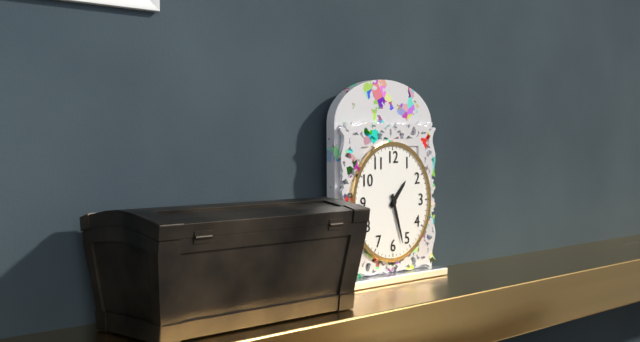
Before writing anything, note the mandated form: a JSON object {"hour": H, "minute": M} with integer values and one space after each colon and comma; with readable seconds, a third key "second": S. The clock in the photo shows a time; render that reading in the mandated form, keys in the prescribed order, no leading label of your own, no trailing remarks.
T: {"hour": 1, "minute": 27}
